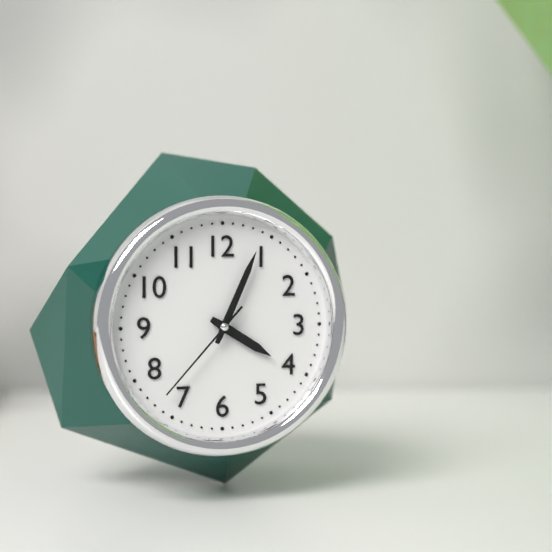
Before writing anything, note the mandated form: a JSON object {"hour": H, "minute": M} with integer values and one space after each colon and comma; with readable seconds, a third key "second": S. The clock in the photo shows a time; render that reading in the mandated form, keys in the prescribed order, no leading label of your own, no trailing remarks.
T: {"hour": 4, "minute": 4, "second": 37}
